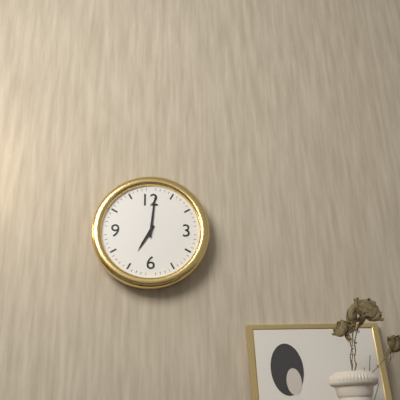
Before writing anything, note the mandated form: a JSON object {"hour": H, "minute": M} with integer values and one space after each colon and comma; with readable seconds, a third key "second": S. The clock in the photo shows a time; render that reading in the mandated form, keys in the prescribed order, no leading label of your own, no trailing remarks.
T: {"hour": 7, "minute": 1}
